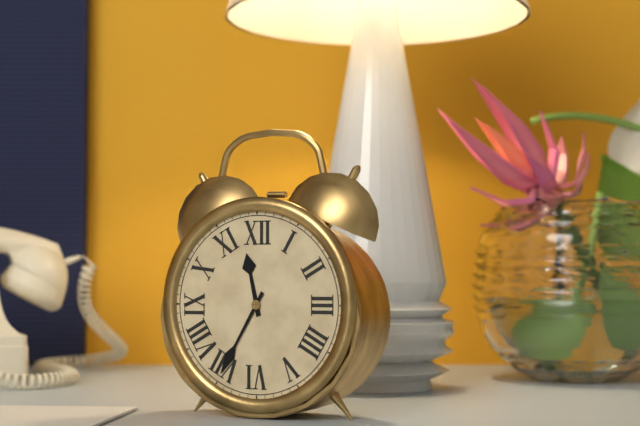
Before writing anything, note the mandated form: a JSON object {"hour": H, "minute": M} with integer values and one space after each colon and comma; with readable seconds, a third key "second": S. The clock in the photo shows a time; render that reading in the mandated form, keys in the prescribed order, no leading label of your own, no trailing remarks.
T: {"hour": 11, "minute": 35}
